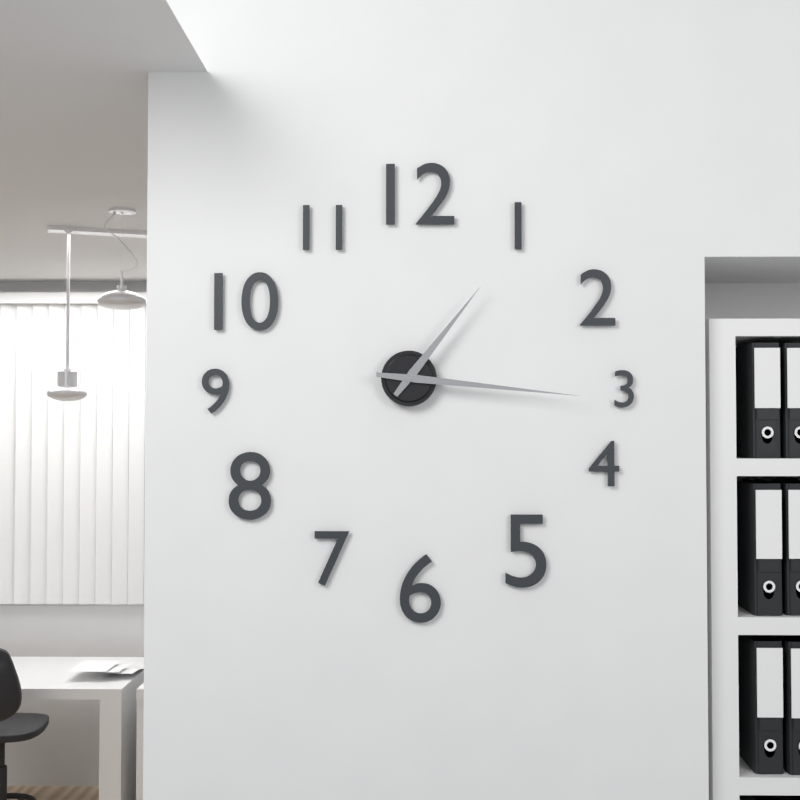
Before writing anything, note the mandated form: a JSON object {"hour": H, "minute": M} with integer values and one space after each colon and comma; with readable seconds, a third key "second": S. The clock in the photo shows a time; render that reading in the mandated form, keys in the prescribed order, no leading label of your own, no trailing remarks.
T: {"hour": 1, "minute": 16}
